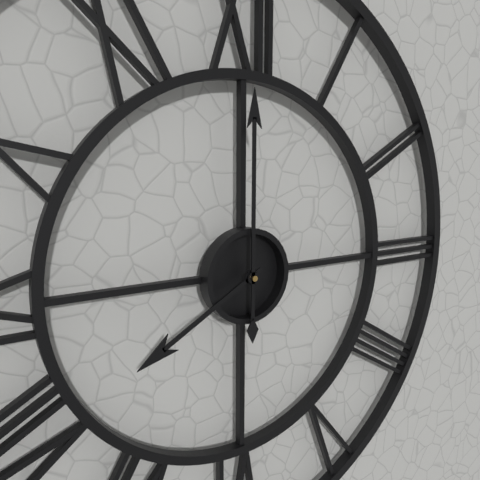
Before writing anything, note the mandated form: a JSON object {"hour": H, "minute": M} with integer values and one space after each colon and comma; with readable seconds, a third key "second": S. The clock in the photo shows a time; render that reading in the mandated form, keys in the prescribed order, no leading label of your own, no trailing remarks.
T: {"hour": 8, "minute": 0}
